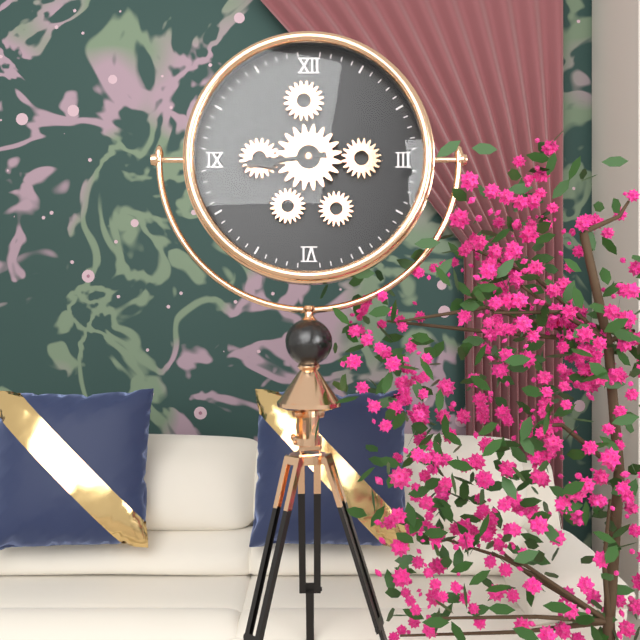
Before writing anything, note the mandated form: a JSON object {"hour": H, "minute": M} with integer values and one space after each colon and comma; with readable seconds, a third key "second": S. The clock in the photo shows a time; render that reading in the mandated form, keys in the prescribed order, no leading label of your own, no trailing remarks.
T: {"hour": 8, "minute": 44}
